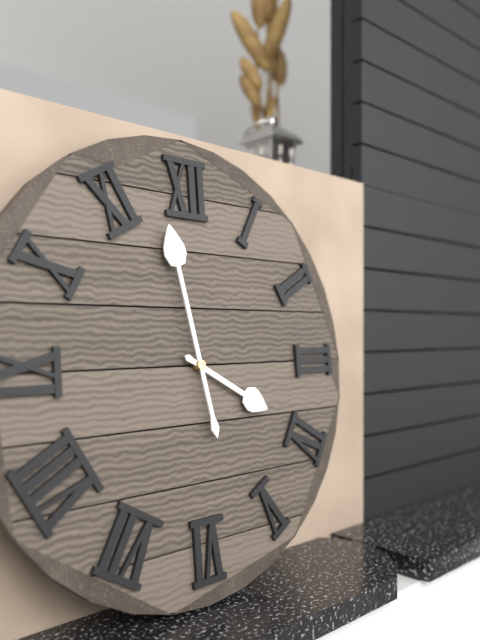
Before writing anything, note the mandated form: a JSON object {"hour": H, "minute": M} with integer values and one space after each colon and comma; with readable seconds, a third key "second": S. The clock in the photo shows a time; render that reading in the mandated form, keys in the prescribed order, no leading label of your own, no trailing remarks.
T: {"hour": 3, "minute": 58}
